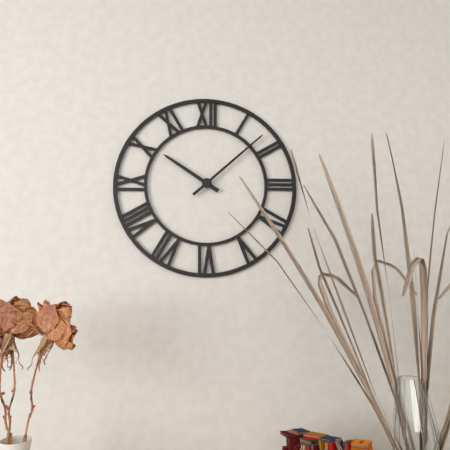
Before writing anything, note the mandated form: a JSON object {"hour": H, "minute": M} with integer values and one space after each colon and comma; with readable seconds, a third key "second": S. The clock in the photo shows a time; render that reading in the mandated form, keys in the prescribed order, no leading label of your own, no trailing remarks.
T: {"hour": 10, "minute": 8}
